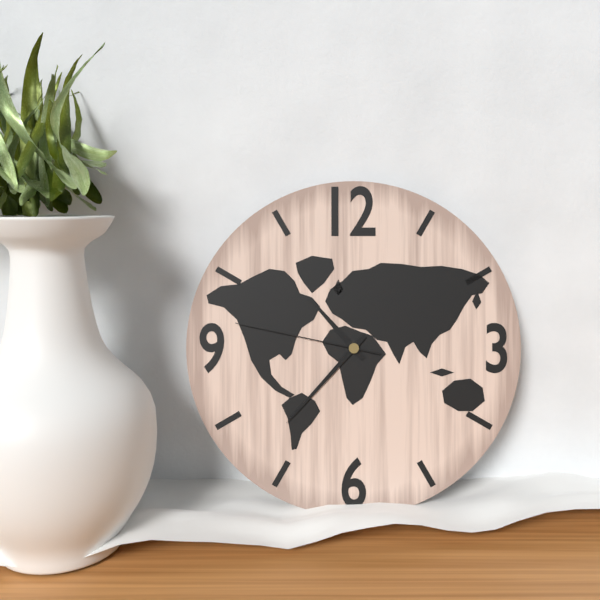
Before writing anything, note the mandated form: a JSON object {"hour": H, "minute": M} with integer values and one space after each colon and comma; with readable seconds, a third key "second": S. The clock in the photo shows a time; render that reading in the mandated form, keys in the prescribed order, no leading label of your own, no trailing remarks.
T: {"hour": 10, "minute": 37, "second": 47}
